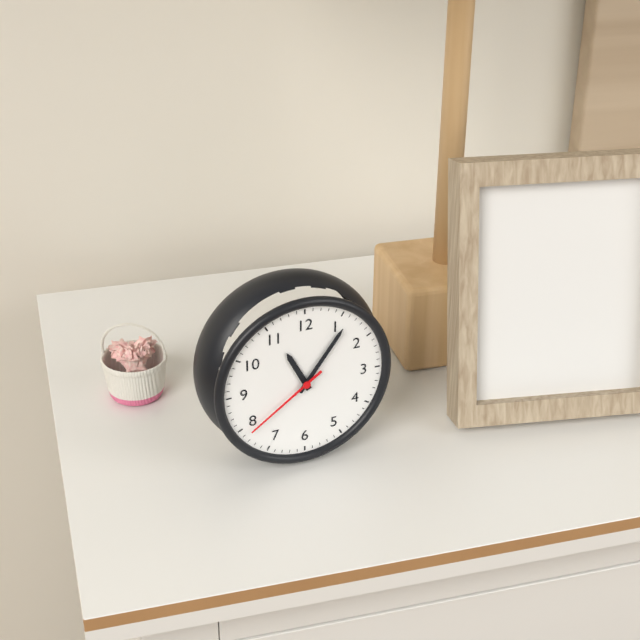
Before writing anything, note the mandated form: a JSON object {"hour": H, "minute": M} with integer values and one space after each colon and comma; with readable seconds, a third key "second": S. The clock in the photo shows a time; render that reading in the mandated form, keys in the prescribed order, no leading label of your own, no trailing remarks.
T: {"hour": 11, "minute": 6, "second": 39}
